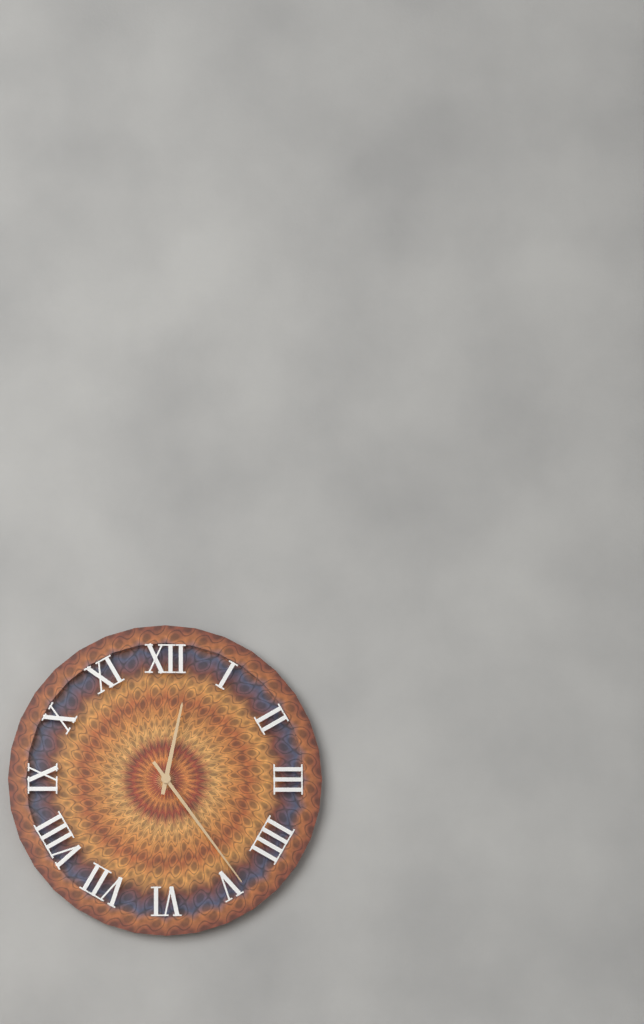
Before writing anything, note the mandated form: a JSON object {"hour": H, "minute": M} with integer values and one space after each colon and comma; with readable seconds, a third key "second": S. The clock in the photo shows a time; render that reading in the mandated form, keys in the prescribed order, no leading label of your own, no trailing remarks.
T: {"hour": 12, "minute": 24}
